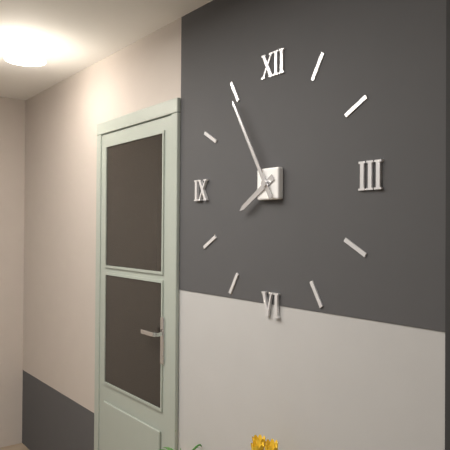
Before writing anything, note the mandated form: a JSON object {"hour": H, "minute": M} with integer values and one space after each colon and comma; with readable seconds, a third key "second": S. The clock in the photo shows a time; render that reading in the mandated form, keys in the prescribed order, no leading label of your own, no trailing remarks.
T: {"hour": 7, "minute": 55}
